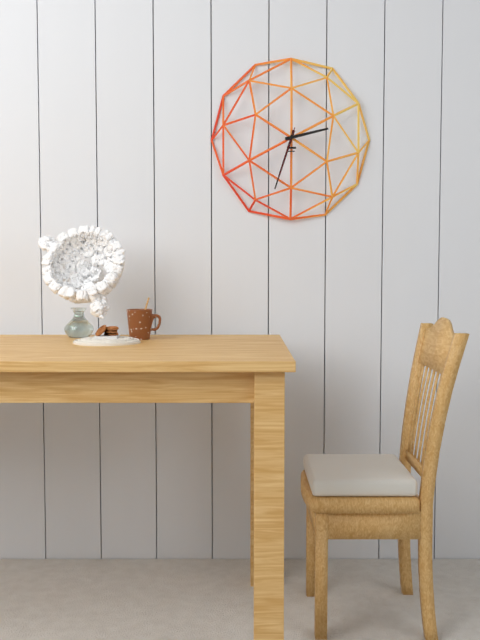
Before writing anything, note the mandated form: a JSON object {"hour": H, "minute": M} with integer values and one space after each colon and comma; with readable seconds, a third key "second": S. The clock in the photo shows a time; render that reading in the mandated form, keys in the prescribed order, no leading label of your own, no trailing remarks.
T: {"hour": 2, "minute": 33, "second": 33}
